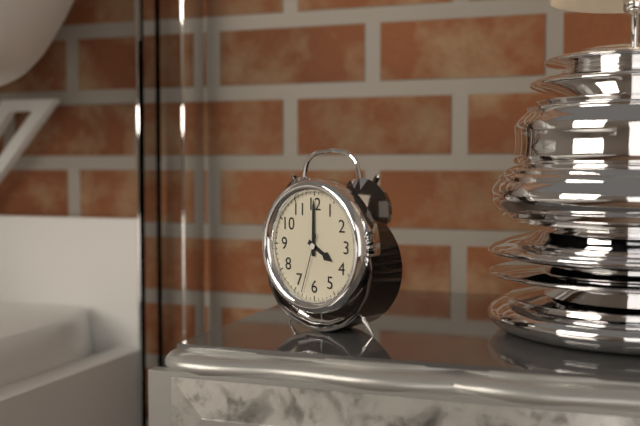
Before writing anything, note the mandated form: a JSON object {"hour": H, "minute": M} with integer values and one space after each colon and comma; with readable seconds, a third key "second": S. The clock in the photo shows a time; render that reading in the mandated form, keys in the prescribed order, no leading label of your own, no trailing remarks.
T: {"hour": 4, "minute": 0, "second": 33}
